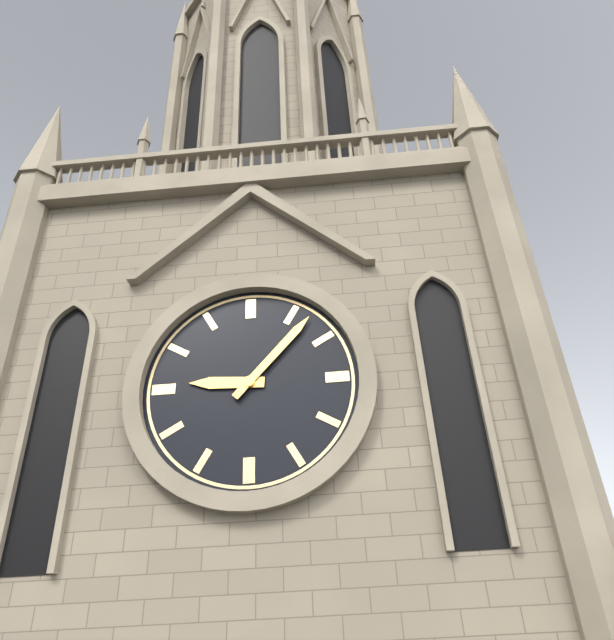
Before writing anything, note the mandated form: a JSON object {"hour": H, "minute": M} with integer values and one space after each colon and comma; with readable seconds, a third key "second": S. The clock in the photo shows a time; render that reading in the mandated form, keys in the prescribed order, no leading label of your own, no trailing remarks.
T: {"hour": 9, "minute": 7}
